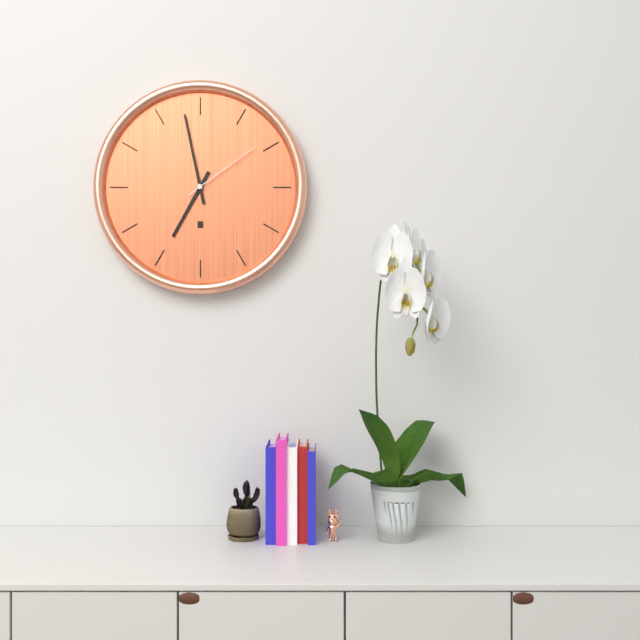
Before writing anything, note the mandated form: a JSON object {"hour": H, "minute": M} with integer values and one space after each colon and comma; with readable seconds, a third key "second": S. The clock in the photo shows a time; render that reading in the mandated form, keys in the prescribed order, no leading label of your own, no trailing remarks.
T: {"hour": 6, "minute": 58, "second": 9}
